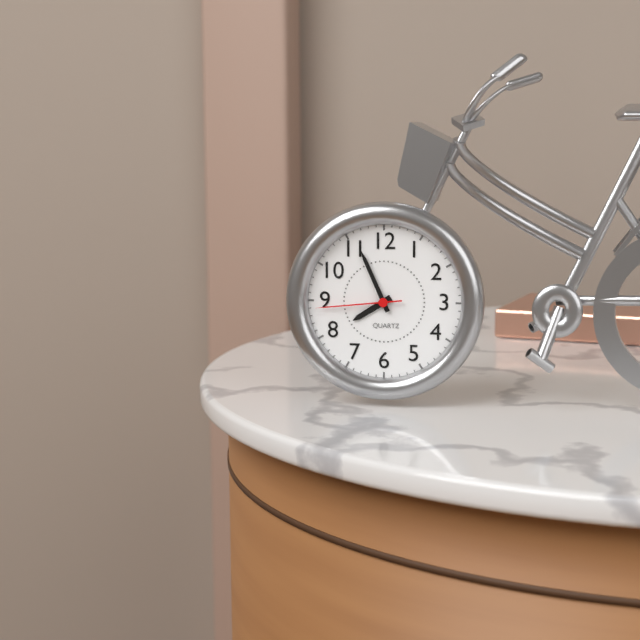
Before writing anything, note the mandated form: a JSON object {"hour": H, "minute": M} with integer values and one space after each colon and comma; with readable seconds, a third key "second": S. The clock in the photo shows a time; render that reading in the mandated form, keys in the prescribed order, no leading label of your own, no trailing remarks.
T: {"hour": 7, "minute": 56, "second": 44}
